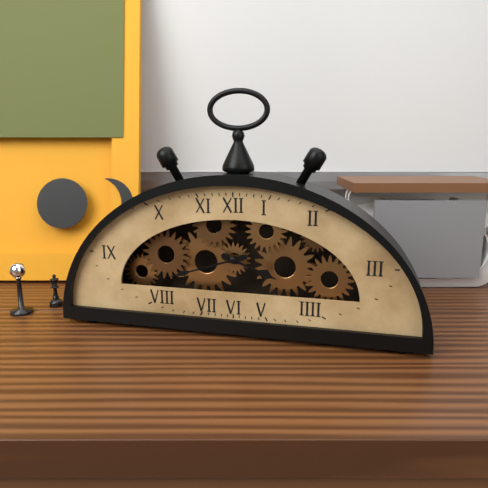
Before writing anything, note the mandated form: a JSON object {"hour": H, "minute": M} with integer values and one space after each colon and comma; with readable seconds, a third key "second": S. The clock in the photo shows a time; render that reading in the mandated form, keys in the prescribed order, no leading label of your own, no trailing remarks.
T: {"hour": 3, "minute": 42}
